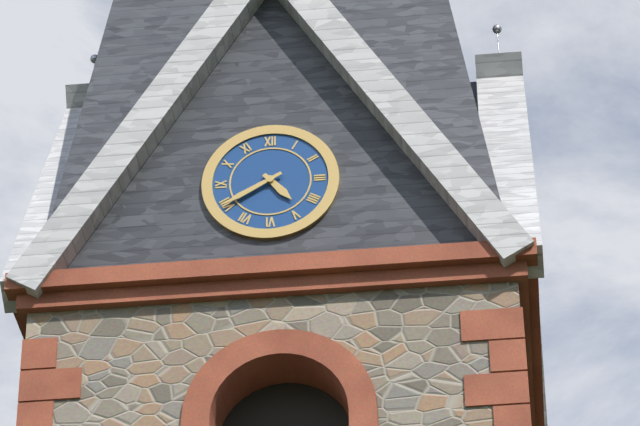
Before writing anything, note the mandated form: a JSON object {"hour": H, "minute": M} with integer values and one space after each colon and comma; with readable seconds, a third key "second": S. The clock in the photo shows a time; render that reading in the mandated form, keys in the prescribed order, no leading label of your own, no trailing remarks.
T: {"hour": 4, "minute": 40}
